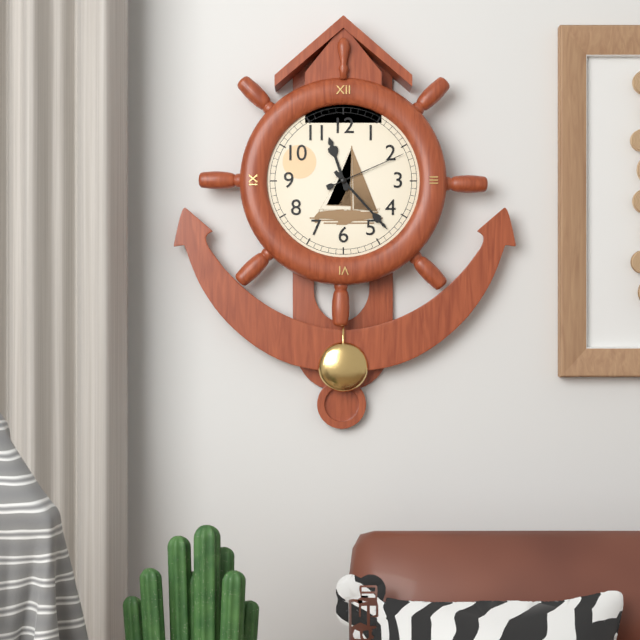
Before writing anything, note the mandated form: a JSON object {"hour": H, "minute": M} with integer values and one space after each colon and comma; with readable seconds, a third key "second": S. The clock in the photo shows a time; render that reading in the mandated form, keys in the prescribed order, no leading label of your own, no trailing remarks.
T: {"hour": 11, "minute": 23, "second": 11}
